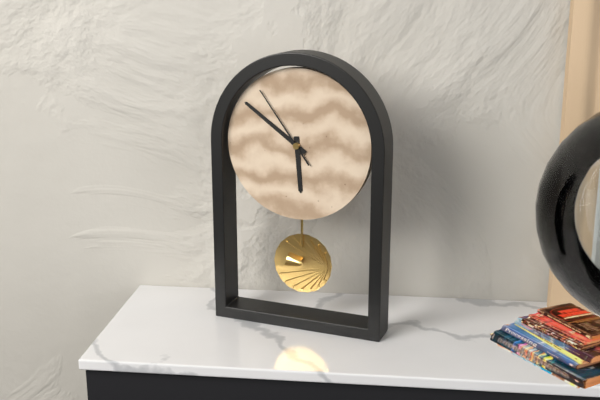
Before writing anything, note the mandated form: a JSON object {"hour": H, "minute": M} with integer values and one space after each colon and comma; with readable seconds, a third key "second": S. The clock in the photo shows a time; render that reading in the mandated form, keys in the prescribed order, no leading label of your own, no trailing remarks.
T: {"hour": 5, "minute": 51, "second": 54}
